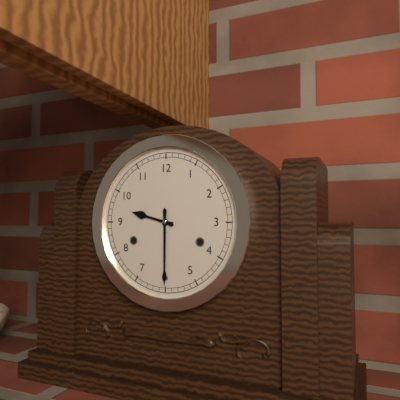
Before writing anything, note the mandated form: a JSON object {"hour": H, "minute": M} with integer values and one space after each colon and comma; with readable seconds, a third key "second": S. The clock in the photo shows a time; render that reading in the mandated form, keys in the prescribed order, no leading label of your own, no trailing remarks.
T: {"hour": 9, "minute": 30}
